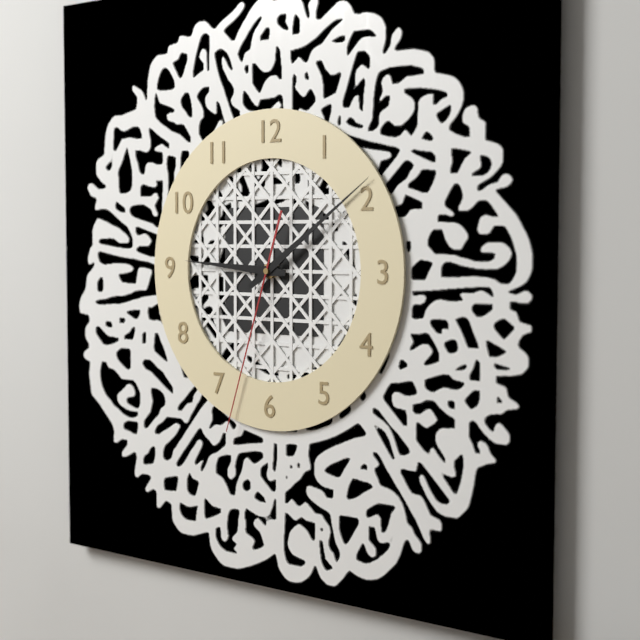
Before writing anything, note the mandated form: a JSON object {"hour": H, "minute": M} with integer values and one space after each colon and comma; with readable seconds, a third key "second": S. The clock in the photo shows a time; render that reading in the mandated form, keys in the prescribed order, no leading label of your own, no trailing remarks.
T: {"hour": 9, "minute": 9, "second": 33}
